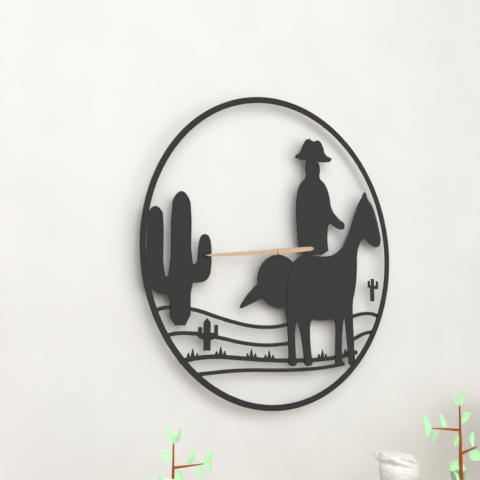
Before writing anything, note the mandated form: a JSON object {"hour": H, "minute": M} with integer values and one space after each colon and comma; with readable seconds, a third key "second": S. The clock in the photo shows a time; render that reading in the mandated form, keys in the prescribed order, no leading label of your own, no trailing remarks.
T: {"hour": 2, "minute": 44}
